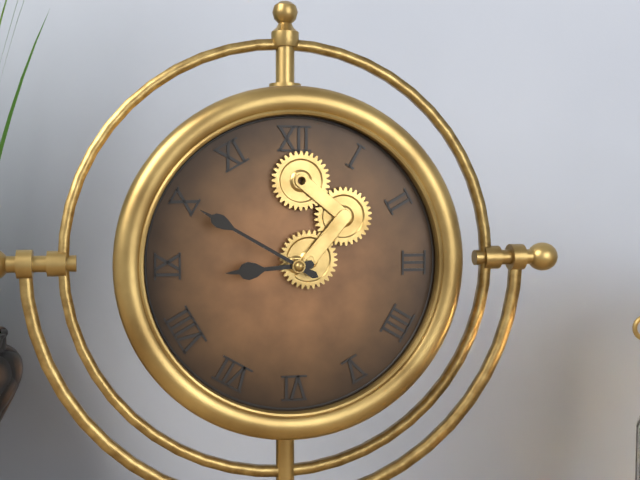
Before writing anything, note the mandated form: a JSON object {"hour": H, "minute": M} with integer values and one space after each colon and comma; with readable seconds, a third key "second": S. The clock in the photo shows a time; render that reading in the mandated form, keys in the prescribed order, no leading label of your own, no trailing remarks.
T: {"hour": 8, "minute": 50}
